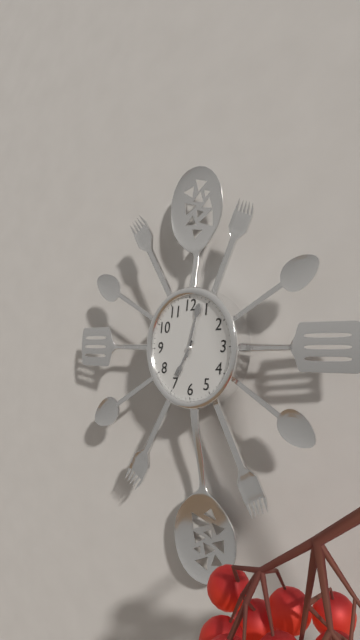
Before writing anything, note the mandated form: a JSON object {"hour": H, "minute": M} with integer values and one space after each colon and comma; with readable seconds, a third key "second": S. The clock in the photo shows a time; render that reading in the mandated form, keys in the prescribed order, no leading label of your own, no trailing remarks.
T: {"hour": 7, "minute": 3}
